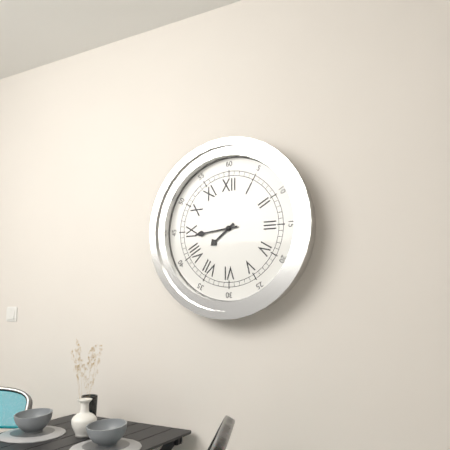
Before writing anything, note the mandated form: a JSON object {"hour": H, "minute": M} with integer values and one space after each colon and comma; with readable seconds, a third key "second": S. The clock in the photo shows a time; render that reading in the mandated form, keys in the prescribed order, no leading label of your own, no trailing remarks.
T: {"hour": 7, "minute": 44}
